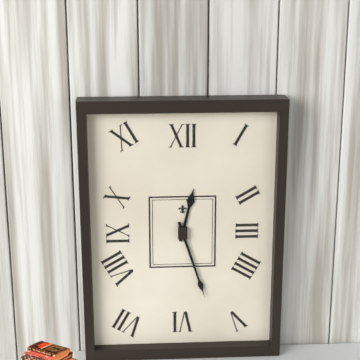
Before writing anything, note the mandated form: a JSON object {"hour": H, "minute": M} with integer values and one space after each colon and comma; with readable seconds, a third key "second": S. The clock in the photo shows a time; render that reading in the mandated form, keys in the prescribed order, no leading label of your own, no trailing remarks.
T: {"hour": 12, "minute": 27}
